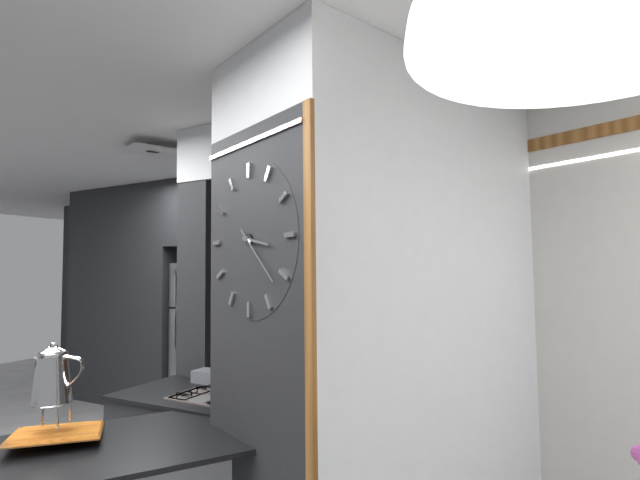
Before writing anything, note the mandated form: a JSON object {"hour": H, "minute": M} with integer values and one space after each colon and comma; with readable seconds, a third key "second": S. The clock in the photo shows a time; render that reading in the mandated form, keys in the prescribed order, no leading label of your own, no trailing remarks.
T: {"hour": 3, "minute": 22}
